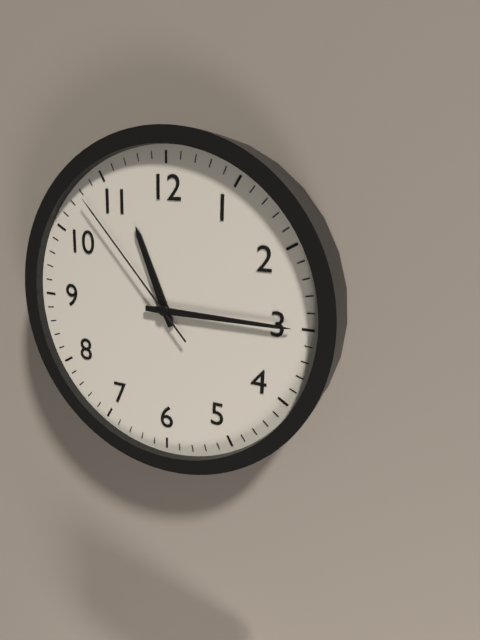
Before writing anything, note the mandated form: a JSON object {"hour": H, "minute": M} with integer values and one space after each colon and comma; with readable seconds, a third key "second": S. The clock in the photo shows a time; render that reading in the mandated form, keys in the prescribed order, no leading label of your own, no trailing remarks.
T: {"hour": 11, "minute": 15, "second": 53}
